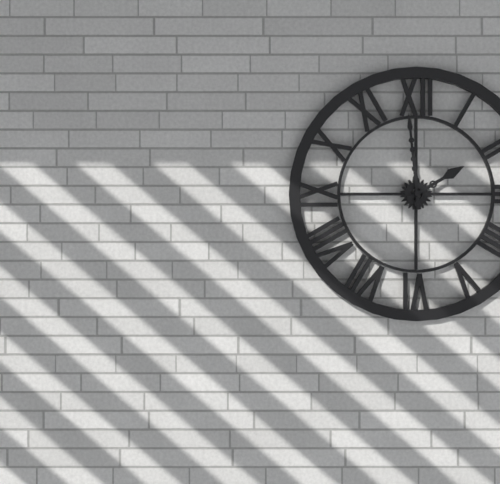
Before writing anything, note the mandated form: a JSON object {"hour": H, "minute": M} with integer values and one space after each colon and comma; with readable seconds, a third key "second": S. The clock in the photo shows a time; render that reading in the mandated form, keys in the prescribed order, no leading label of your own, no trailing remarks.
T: {"hour": 1, "minute": 59}
